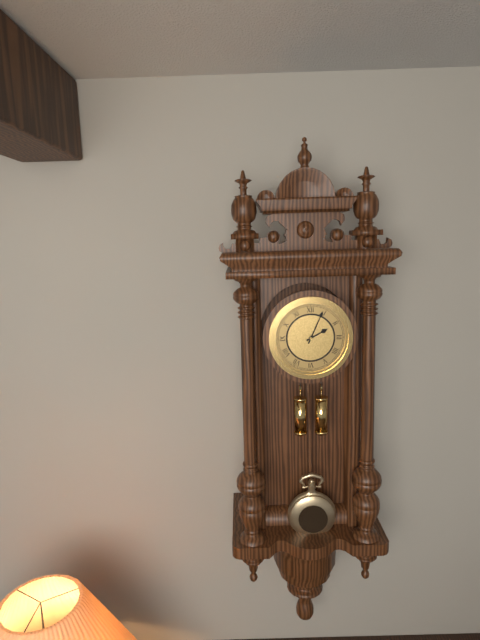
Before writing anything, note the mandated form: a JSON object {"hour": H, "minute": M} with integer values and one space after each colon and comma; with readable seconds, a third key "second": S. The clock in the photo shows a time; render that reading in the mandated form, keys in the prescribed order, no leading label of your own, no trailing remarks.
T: {"hour": 2, "minute": 4}
